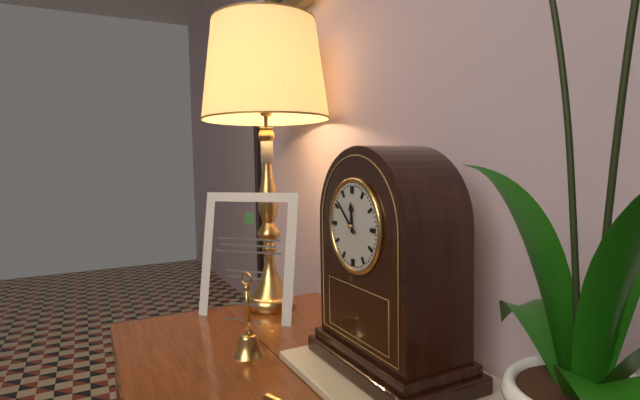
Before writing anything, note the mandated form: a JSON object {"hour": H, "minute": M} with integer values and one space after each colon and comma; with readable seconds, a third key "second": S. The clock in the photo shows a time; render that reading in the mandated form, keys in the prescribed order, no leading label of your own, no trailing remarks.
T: {"hour": 11, "minute": 52}
